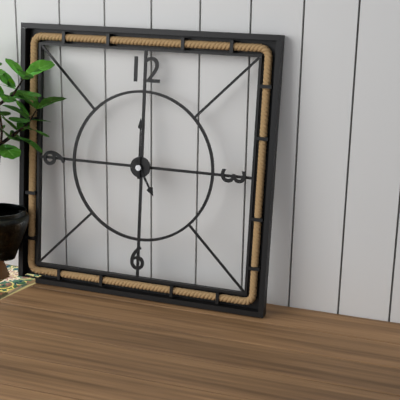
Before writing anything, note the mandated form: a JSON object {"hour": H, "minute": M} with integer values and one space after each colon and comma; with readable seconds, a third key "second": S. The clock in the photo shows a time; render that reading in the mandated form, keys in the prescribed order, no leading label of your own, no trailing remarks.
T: {"hour": 5, "minute": 0}
